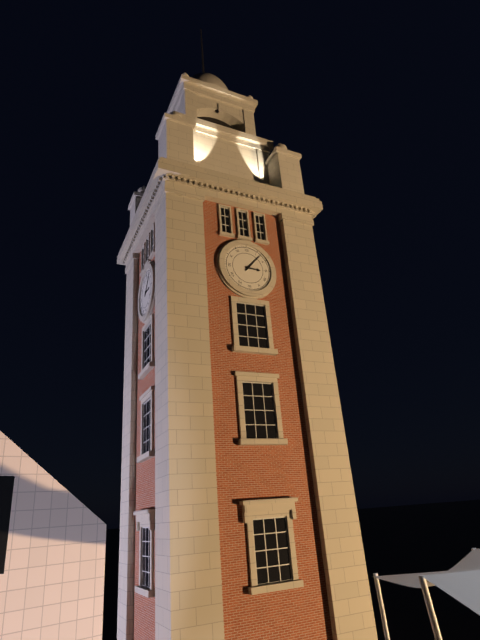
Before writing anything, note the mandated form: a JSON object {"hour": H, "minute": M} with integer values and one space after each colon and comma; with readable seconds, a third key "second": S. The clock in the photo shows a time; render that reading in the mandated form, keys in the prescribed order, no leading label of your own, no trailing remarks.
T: {"hour": 3, "minute": 7}
